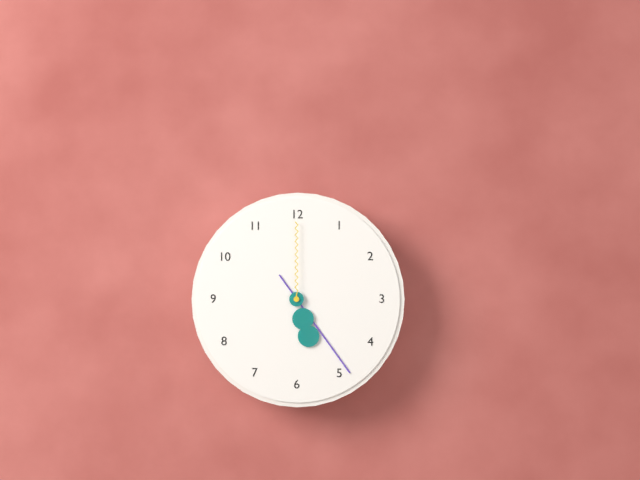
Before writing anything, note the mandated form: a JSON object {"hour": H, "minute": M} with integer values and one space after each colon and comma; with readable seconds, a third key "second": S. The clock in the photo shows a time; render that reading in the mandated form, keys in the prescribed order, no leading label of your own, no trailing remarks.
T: {"hour": 5, "minute": 24, "second": 0}
